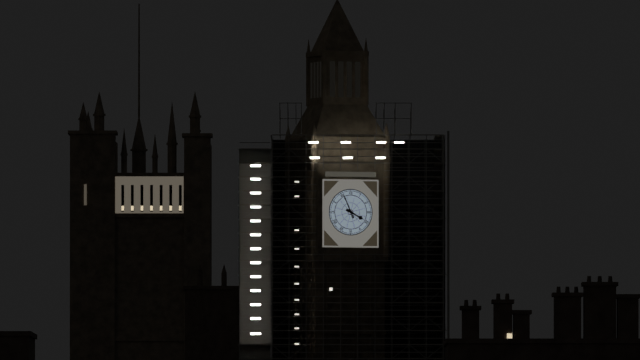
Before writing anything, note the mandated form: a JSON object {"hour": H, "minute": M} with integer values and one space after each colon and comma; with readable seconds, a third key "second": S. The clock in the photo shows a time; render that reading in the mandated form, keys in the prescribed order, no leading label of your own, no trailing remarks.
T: {"hour": 3, "minute": 56}
